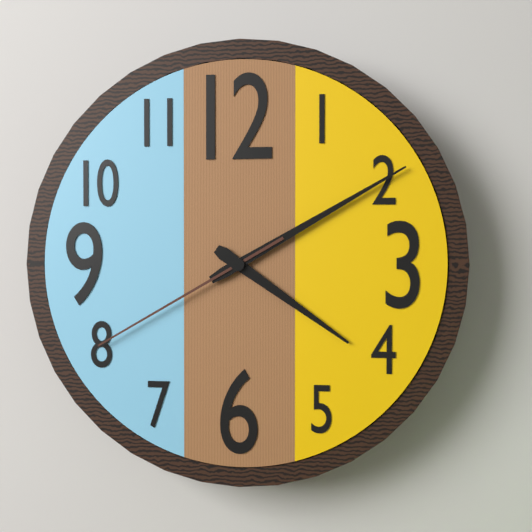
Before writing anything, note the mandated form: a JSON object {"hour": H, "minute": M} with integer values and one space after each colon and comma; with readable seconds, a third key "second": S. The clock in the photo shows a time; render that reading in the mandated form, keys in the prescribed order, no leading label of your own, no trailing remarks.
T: {"hour": 4, "minute": 10, "second": 40}
